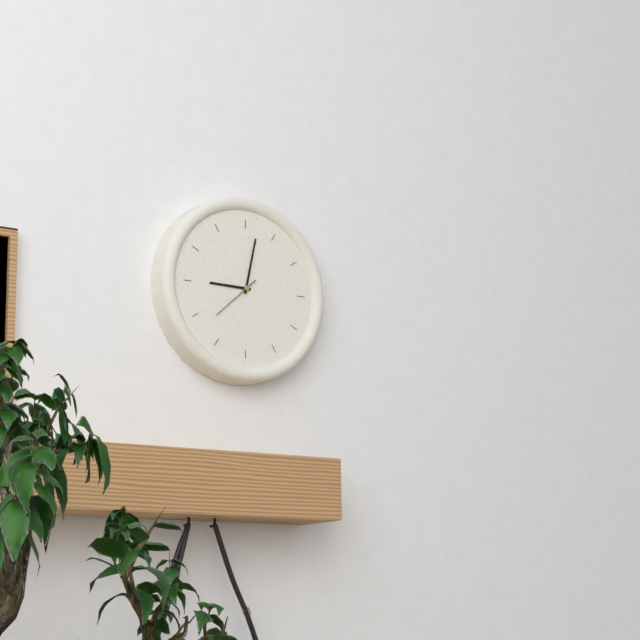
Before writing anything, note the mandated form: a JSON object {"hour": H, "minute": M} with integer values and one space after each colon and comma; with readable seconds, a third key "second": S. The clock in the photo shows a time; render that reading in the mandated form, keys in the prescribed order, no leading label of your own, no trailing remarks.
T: {"hour": 9, "minute": 2, "second": 38}
